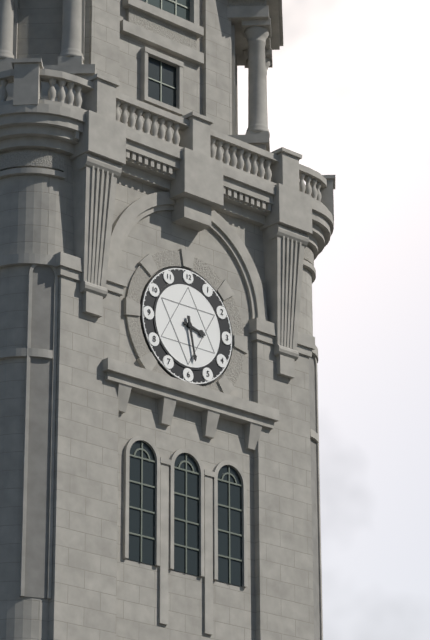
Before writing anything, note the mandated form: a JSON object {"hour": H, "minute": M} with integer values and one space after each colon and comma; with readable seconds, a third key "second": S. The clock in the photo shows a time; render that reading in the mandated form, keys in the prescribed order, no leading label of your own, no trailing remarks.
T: {"hour": 3, "minute": 28}
